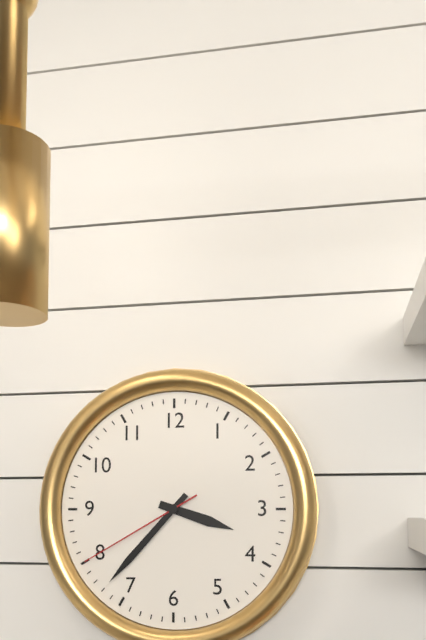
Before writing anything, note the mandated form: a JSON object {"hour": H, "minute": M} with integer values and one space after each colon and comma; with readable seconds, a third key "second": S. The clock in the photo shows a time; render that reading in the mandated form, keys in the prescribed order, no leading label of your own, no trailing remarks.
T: {"hour": 3, "minute": 37, "second": 40}
